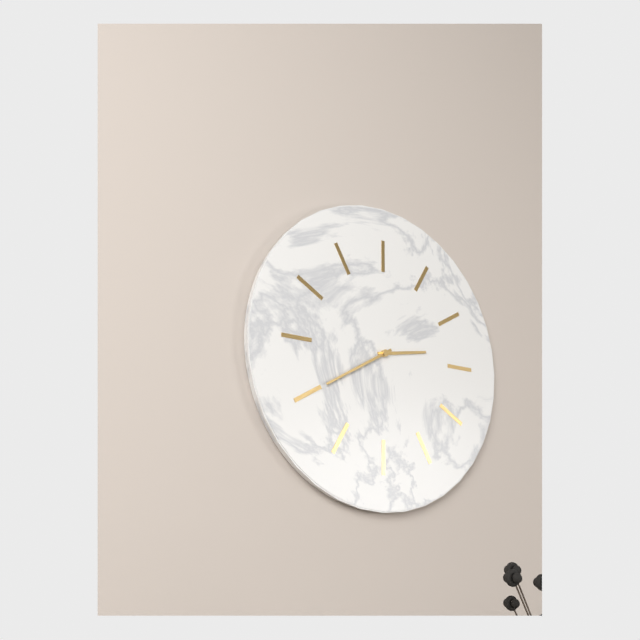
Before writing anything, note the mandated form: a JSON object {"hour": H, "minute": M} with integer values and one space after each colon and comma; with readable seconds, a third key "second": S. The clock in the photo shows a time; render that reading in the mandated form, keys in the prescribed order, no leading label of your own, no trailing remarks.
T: {"hour": 2, "minute": 40}
